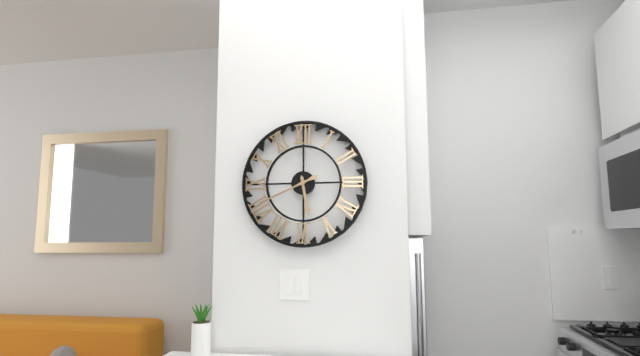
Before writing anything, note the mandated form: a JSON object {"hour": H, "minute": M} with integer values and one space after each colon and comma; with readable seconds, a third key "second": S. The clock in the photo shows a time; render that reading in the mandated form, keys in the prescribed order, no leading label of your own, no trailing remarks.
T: {"hour": 5, "minute": 41}
